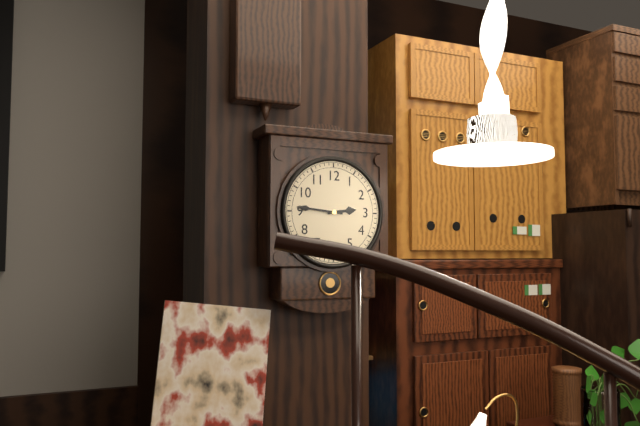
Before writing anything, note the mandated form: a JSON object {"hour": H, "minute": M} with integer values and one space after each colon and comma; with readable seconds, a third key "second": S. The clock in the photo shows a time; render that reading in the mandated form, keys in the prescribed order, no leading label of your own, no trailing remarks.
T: {"hour": 2, "minute": 46}
